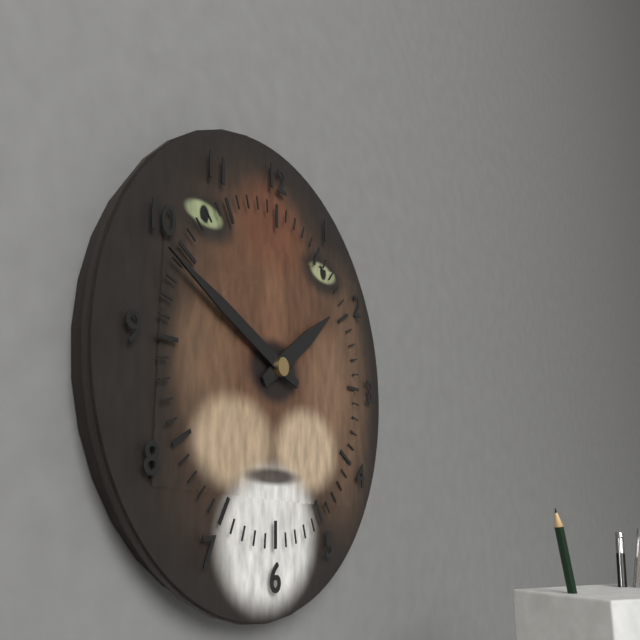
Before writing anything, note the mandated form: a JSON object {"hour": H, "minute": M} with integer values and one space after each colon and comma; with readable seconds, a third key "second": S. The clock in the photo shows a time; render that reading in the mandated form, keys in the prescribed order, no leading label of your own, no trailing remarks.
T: {"hour": 1, "minute": 49}
